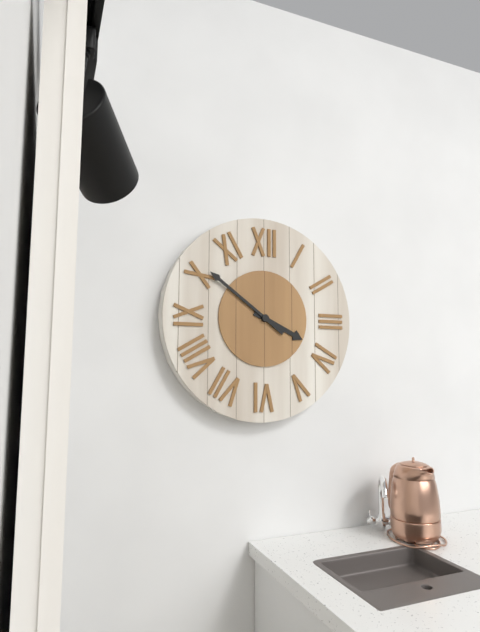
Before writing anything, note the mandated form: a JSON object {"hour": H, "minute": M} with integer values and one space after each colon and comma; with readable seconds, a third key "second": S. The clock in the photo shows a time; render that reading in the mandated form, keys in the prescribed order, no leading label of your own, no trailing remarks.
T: {"hour": 3, "minute": 51}
